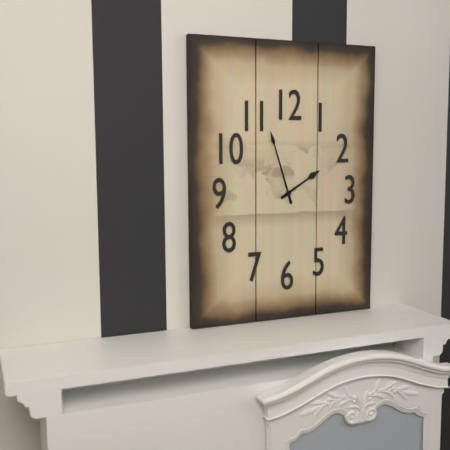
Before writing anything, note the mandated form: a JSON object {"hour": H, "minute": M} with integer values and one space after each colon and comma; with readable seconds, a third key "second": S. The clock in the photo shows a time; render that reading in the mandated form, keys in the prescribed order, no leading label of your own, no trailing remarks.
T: {"hour": 1, "minute": 57}
